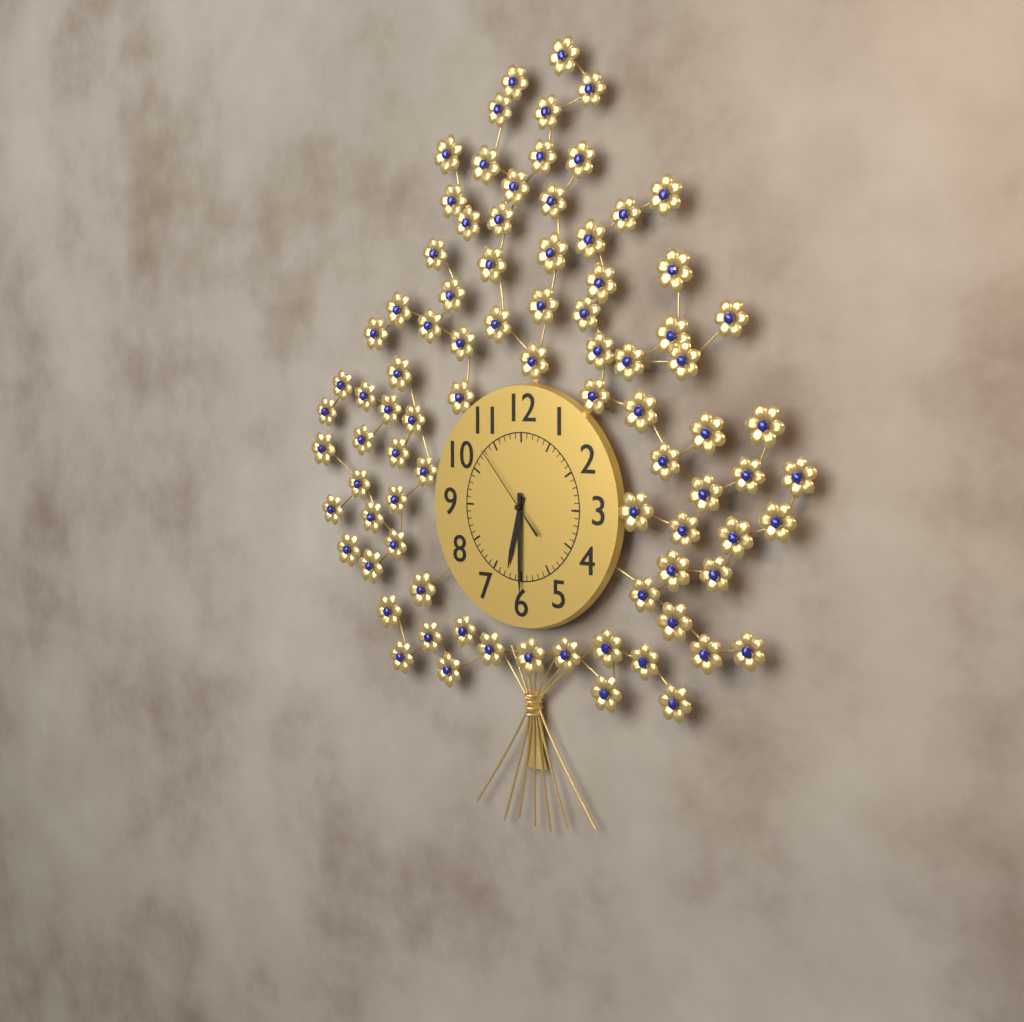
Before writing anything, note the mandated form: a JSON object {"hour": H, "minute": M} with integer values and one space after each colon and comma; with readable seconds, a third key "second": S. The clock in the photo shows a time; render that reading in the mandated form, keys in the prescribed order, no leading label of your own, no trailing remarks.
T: {"hour": 6, "minute": 30, "second": 53}
